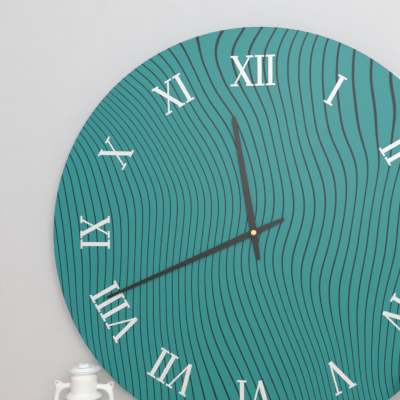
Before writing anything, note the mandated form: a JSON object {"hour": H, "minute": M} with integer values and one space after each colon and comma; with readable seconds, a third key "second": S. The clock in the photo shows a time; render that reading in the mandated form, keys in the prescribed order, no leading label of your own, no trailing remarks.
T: {"hour": 11, "minute": 41}
